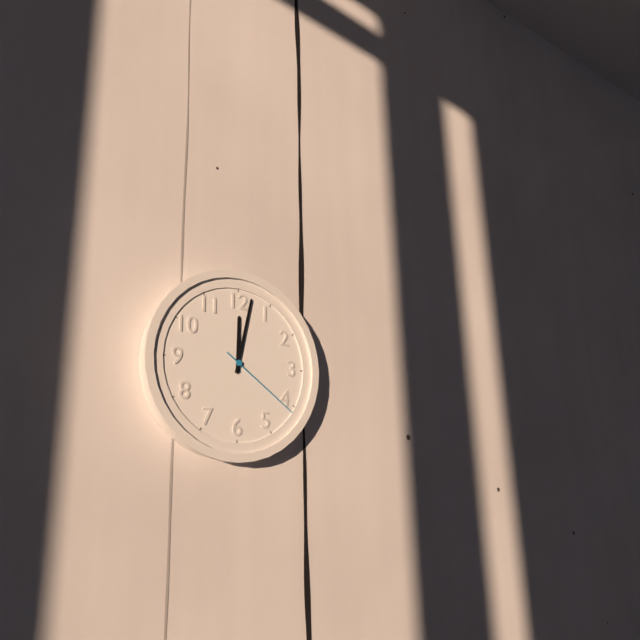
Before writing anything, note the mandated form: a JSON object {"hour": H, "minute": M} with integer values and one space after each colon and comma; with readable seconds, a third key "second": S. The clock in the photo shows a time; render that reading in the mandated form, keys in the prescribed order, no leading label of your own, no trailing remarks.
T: {"hour": 12, "minute": 2, "second": 21}
